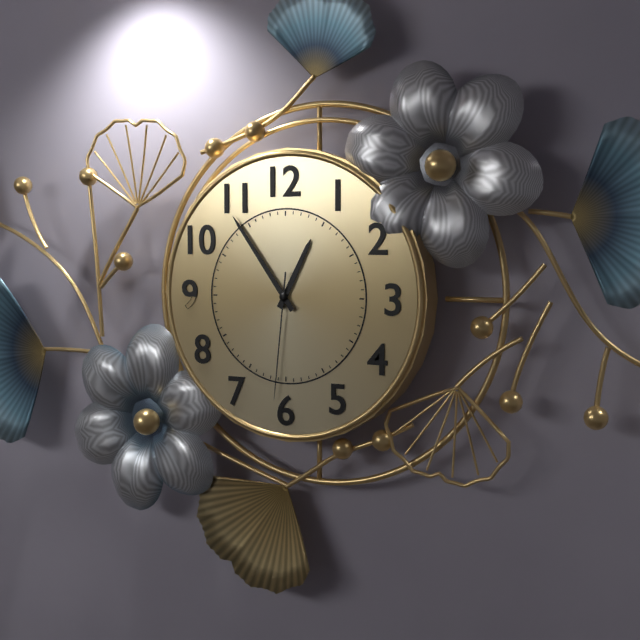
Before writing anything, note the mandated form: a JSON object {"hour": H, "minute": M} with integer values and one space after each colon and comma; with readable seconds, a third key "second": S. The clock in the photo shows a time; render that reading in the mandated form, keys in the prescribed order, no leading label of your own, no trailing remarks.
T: {"hour": 12, "minute": 54, "second": 31}
